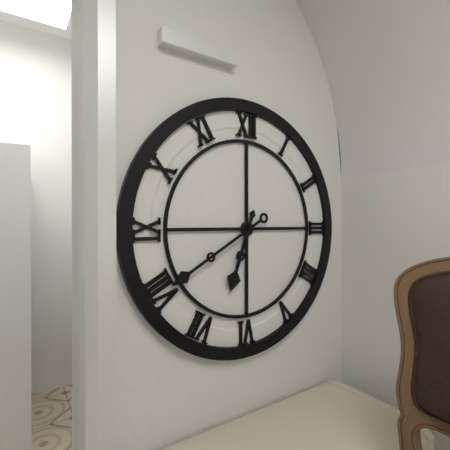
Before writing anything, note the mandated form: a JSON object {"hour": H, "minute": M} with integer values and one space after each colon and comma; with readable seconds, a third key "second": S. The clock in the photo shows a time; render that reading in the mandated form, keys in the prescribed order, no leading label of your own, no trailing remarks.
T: {"hour": 6, "minute": 40}
